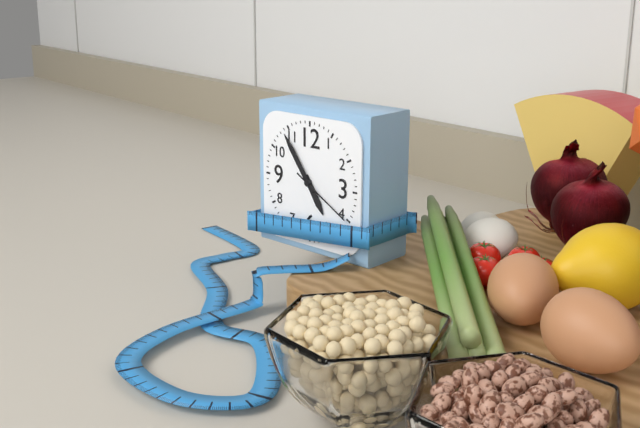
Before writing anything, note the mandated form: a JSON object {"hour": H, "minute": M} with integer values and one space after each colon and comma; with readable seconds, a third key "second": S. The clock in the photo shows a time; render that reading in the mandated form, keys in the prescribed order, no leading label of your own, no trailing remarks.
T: {"hour": 4, "minute": 54, "second": 20}
